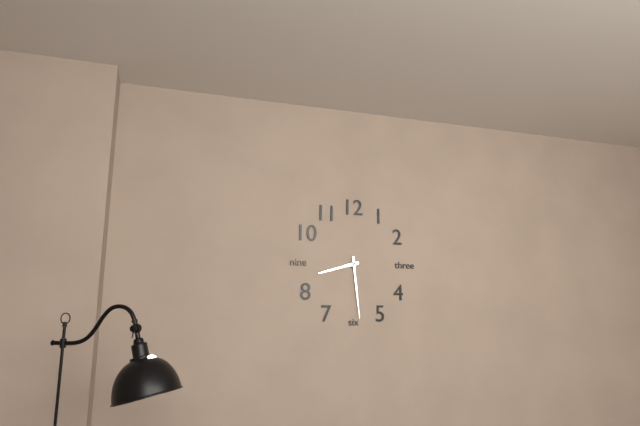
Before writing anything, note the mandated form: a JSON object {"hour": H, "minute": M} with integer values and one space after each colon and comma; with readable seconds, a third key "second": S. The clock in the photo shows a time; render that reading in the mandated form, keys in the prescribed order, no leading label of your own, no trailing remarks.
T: {"hour": 8, "minute": 29}
